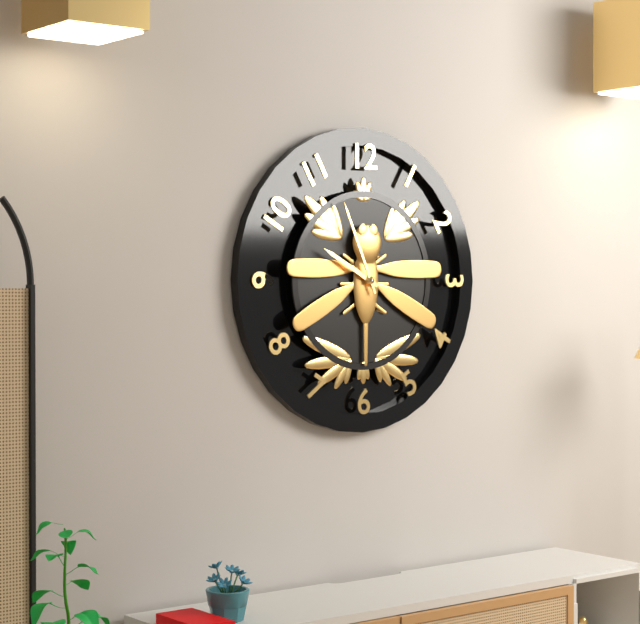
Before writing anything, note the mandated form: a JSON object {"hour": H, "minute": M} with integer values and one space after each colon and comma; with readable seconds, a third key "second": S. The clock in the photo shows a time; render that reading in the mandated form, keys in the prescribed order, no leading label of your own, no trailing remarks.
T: {"hour": 9, "minute": 56}
